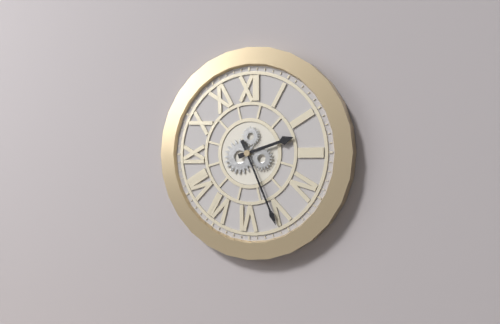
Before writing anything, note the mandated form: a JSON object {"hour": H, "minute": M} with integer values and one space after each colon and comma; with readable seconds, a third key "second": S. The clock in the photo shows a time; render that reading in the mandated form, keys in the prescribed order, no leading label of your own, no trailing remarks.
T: {"hour": 2, "minute": 26}
